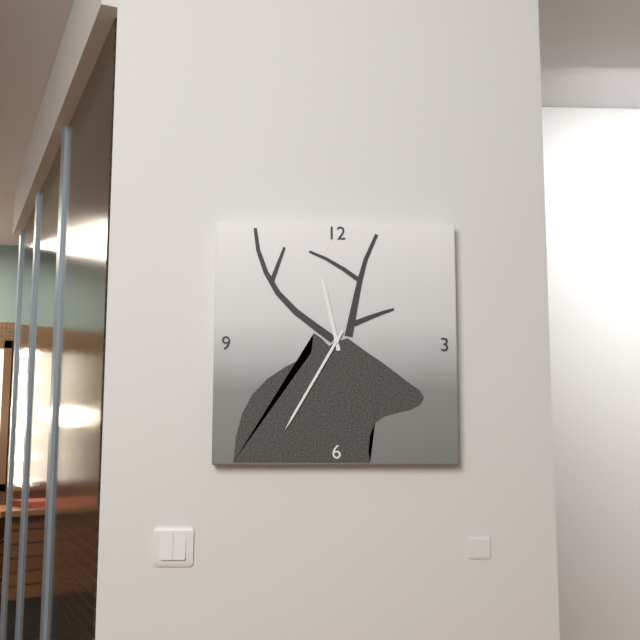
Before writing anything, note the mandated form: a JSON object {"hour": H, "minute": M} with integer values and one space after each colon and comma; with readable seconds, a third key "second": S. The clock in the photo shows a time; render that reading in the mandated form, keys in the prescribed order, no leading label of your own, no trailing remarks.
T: {"hour": 11, "minute": 35}
